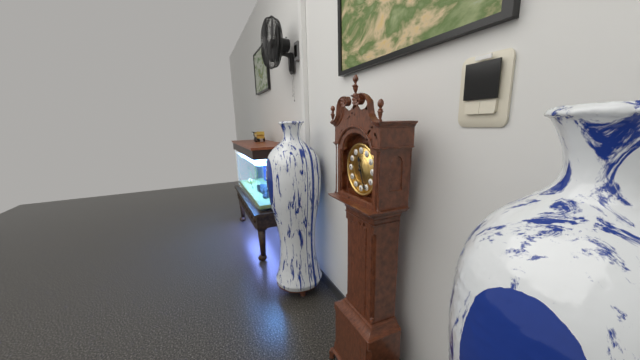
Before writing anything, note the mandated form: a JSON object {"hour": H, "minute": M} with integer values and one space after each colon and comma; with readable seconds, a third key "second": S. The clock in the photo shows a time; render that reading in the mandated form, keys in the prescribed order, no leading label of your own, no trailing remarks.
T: {"hour": 11, "minute": 26}
